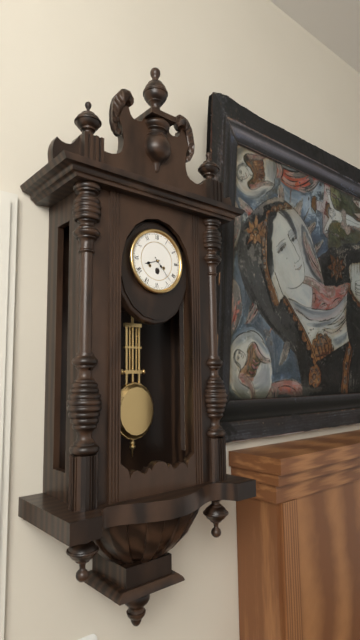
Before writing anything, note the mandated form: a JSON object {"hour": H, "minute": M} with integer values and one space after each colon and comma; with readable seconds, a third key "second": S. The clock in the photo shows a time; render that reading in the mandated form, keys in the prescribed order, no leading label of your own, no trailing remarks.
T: {"hour": 8, "minute": 23}
